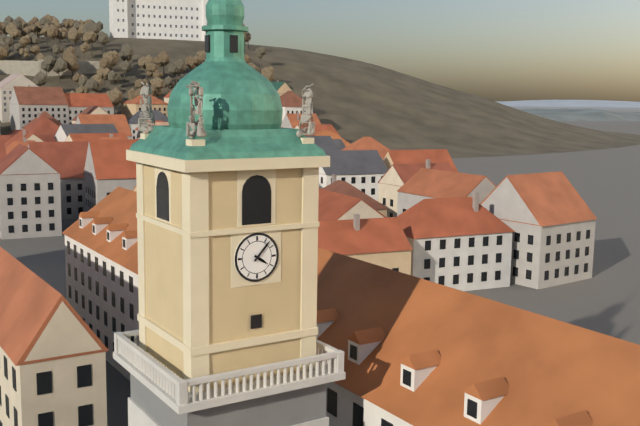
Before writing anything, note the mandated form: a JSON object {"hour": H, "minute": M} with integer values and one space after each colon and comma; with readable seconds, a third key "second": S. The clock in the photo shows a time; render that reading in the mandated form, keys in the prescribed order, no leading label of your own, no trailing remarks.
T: {"hour": 4, "minute": 7}
